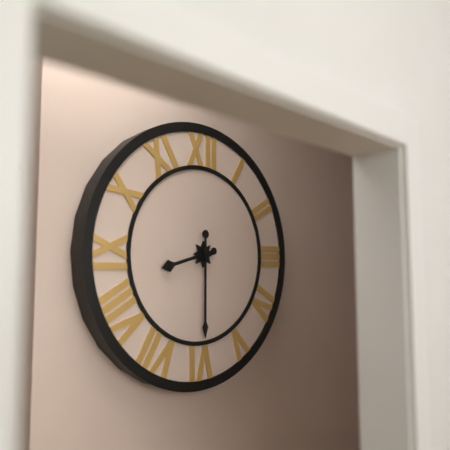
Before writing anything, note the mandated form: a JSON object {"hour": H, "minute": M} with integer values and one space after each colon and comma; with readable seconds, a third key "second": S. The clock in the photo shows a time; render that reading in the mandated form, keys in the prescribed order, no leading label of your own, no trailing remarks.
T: {"hour": 8, "minute": 30}
